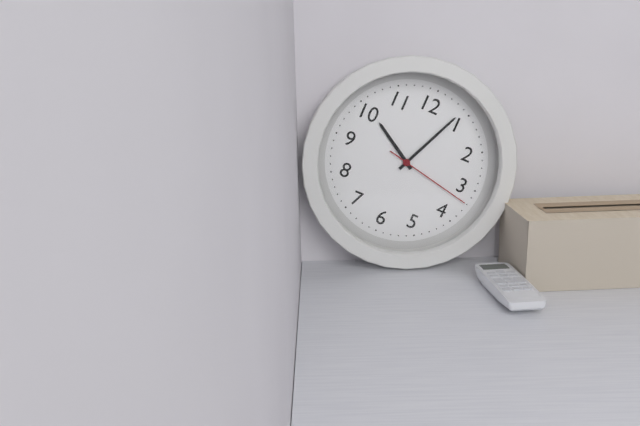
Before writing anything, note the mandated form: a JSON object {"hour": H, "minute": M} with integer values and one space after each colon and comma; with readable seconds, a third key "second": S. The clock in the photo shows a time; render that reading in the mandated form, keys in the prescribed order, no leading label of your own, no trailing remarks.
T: {"hour": 10, "minute": 4, "second": 17}
